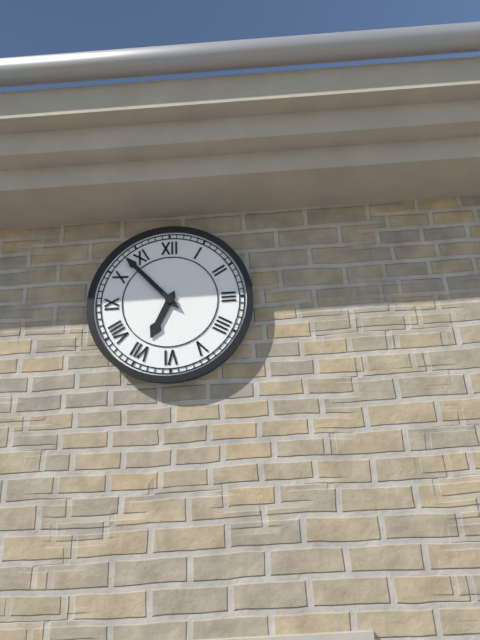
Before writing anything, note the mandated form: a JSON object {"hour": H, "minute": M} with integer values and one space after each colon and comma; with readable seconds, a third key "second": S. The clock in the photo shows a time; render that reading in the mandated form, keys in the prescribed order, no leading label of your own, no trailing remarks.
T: {"hour": 6, "minute": 53}
